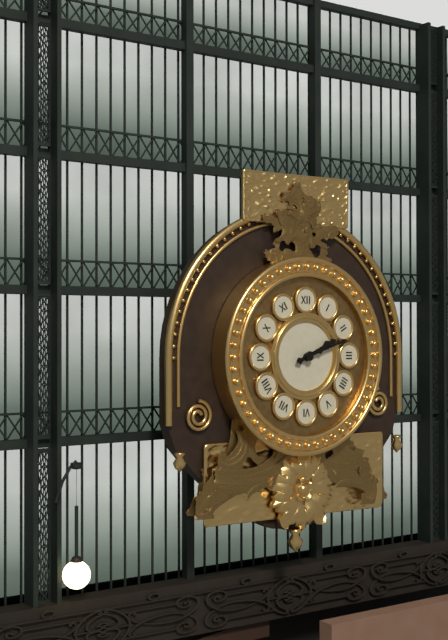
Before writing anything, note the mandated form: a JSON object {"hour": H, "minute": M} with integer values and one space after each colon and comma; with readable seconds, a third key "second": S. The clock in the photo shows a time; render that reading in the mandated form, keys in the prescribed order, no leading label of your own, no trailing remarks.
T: {"hour": 2, "minute": 12}
